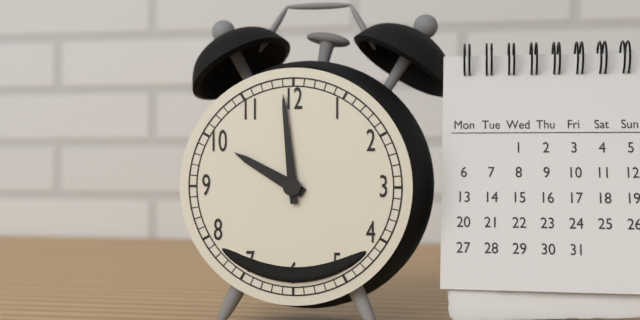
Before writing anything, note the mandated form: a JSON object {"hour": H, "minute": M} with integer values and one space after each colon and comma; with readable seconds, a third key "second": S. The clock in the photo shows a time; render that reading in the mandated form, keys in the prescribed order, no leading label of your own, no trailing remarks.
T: {"hour": 9, "minute": 59}
